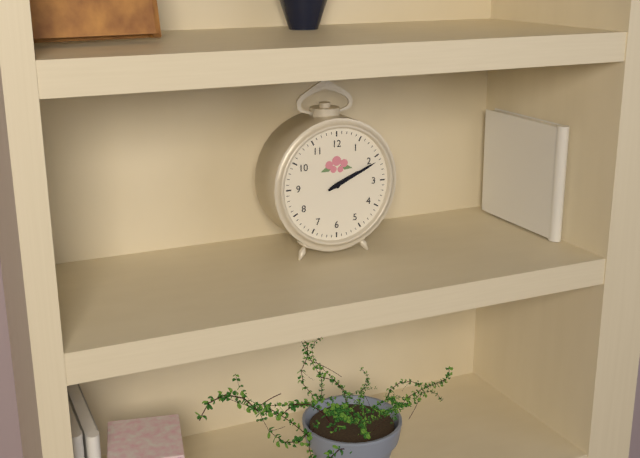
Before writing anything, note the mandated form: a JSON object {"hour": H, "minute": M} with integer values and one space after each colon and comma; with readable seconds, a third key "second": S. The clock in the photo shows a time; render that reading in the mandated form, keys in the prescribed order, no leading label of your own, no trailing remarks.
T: {"hour": 2, "minute": 11}
